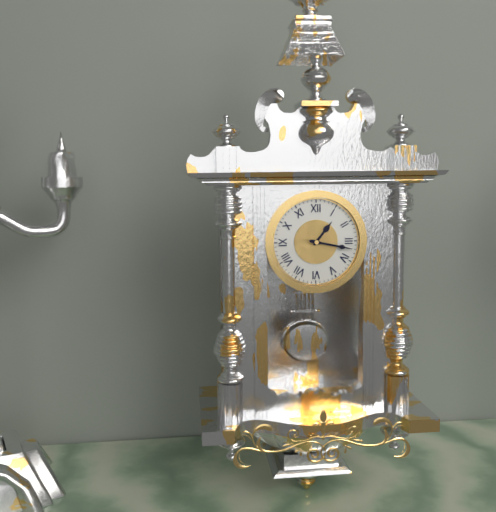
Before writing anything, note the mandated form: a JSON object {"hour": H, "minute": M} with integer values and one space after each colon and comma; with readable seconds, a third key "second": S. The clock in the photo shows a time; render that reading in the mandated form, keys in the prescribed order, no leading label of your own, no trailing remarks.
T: {"hour": 1, "minute": 17}
